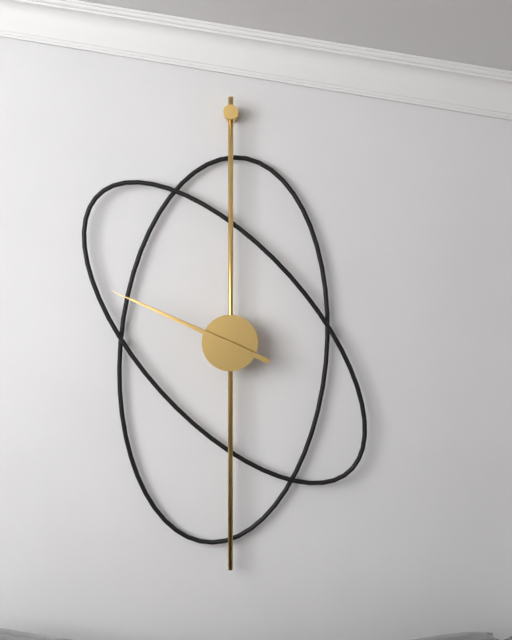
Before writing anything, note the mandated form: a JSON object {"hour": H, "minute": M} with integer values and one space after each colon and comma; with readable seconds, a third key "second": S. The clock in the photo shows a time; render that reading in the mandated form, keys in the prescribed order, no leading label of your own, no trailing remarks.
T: {"hour": 9, "minute": 49}
